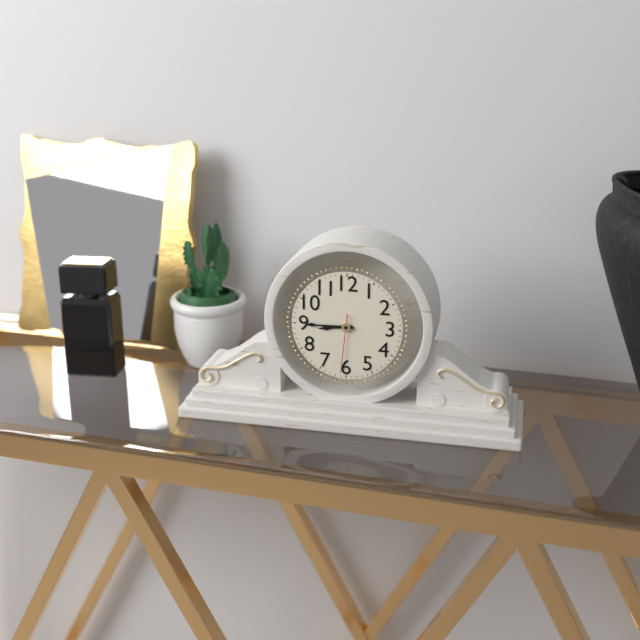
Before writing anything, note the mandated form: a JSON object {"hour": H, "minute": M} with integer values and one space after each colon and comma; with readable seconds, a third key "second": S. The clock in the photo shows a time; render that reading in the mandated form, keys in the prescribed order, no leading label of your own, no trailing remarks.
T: {"hour": 8, "minute": 45, "second": 31}
